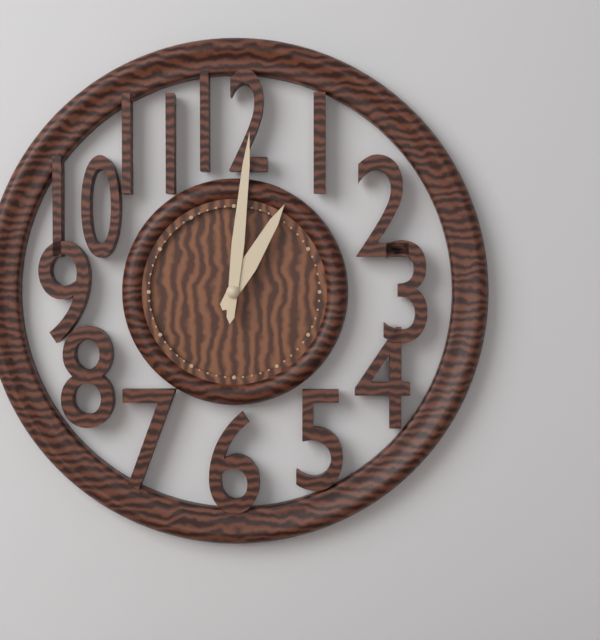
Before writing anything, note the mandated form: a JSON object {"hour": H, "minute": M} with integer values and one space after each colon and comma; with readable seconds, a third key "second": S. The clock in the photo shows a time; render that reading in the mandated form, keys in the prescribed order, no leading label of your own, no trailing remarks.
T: {"hour": 1, "minute": 1}
